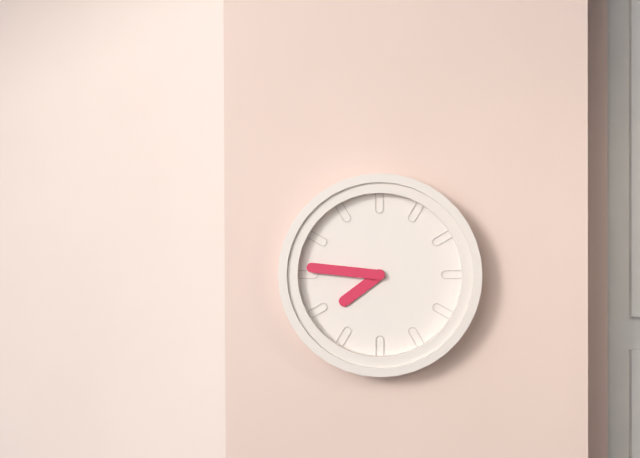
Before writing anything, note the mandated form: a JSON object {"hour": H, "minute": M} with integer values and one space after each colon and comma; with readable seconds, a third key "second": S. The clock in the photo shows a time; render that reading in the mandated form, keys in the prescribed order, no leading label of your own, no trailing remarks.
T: {"hour": 7, "minute": 46}
